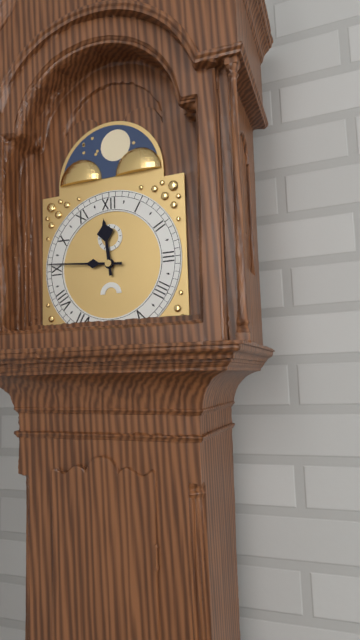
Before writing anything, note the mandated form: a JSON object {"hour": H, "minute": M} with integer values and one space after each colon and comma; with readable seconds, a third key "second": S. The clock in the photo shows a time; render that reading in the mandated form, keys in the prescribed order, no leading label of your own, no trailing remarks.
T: {"hour": 11, "minute": 46}
